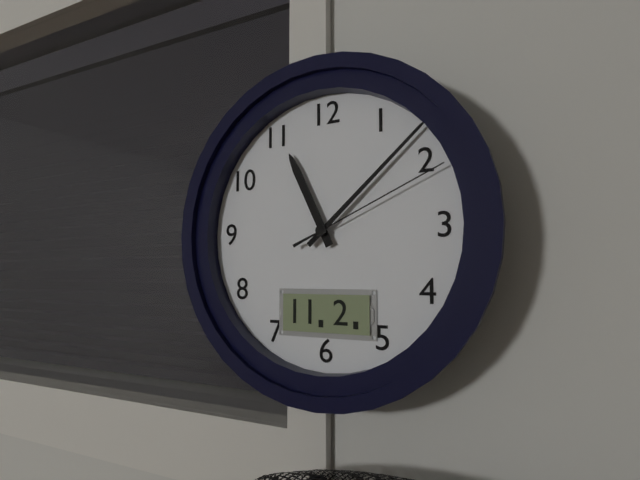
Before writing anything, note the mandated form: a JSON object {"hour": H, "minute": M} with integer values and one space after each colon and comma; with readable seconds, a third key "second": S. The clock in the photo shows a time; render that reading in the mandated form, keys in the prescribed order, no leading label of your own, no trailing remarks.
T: {"hour": 11, "minute": 8, "second": 11}
